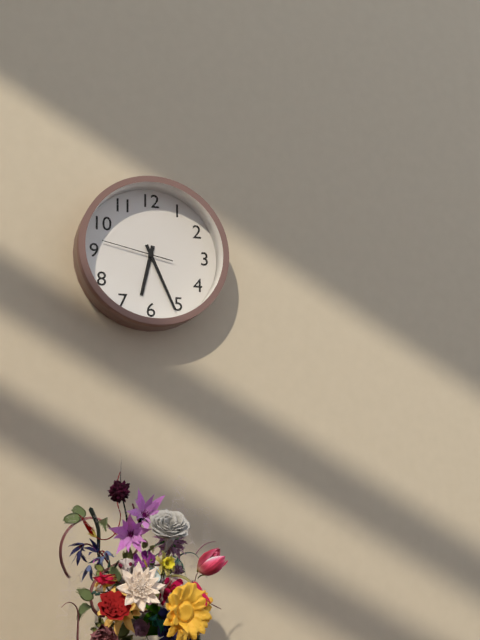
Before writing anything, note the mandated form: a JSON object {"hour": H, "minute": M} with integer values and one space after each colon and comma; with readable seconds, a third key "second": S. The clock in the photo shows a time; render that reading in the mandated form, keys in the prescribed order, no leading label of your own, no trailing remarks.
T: {"hour": 6, "minute": 26, "second": 47}
